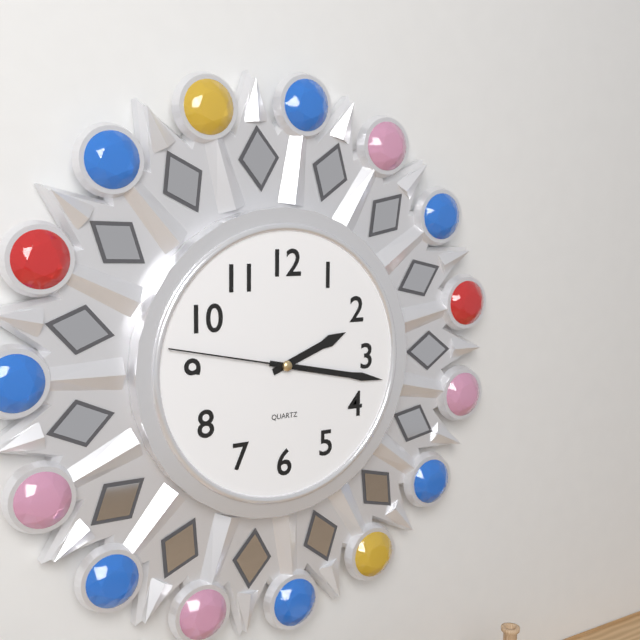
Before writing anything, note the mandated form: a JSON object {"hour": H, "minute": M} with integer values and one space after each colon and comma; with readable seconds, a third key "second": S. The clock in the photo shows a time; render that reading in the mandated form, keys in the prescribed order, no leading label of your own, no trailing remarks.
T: {"hour": 2, "minute": 17, "second": 47}
